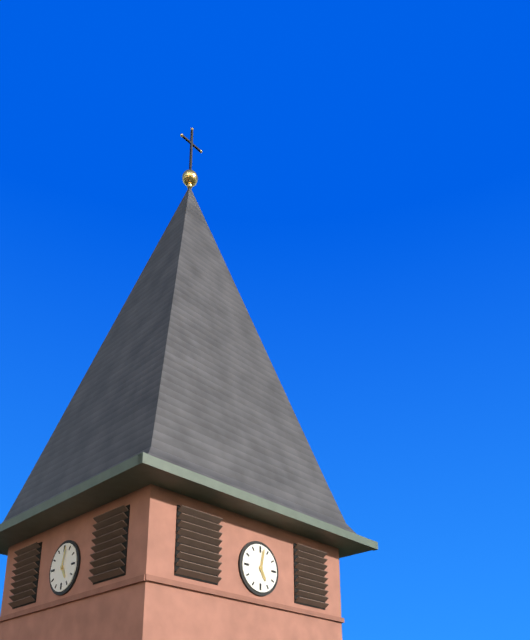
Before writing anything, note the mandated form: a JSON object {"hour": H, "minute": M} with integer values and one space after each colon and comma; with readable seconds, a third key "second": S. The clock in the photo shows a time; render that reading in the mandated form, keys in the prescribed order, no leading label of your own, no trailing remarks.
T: {"hour": 5, "minute": 2}
